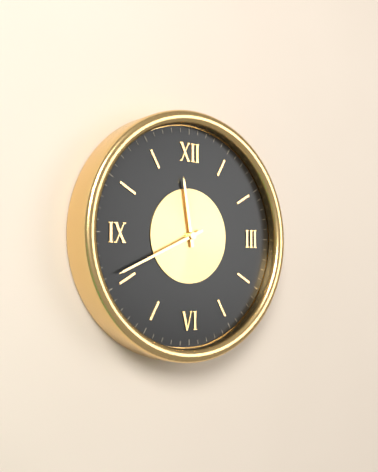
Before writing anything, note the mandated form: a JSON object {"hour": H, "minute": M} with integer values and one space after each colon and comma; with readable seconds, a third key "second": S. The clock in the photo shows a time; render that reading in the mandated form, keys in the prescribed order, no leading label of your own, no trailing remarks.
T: {"hour": 11, "minute": 41}
